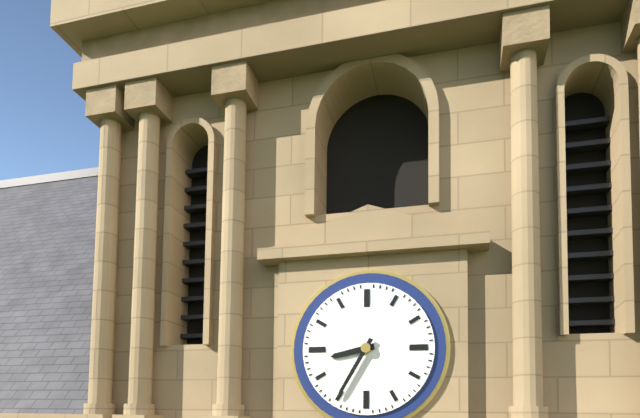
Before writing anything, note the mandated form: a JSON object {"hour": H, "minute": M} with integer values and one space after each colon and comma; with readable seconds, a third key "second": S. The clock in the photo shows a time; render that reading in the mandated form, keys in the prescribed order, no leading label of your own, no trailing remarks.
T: {"hour": 8, "minute": 35}
